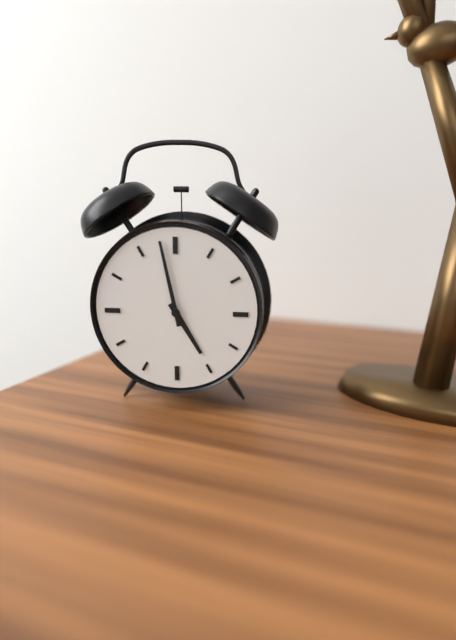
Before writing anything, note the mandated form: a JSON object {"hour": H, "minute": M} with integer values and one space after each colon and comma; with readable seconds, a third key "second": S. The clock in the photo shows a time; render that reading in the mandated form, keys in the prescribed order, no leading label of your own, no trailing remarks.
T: {"hour": 4, "minute": 58}
